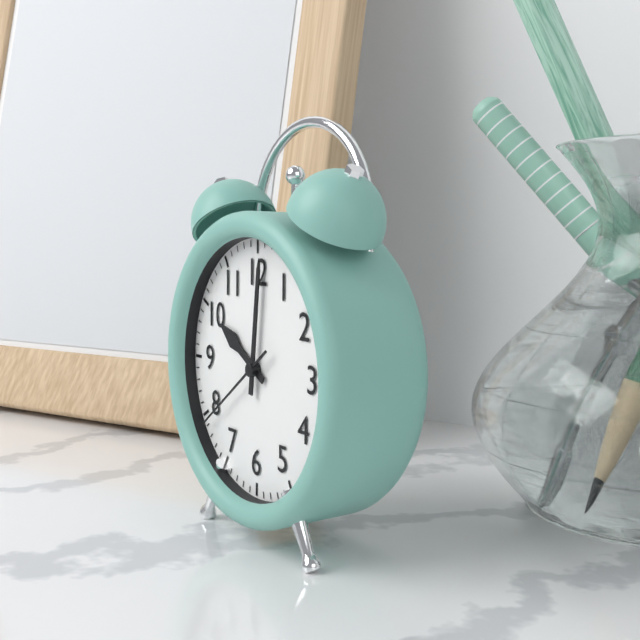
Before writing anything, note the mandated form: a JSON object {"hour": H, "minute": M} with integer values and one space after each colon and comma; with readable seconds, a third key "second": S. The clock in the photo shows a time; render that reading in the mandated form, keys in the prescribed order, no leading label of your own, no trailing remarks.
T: {"hour": 10, "minute": 1, "second": 39}
